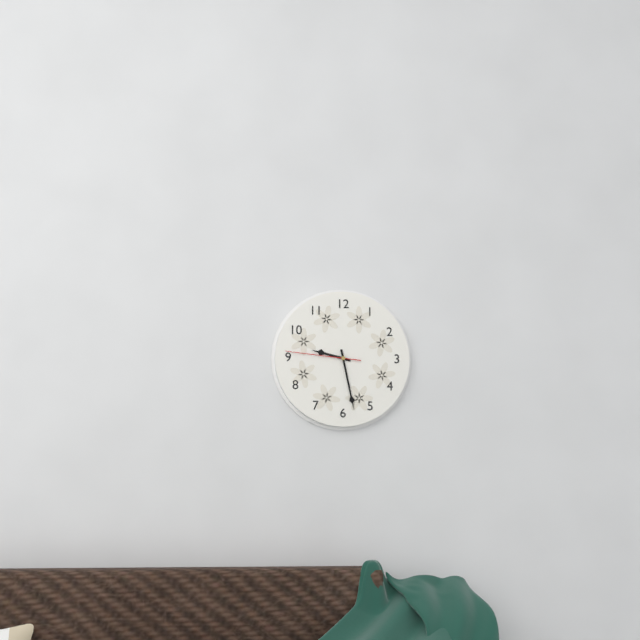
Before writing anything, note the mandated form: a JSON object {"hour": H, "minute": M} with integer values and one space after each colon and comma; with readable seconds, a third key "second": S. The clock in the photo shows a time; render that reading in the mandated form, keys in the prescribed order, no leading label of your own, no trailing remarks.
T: {"hour": 9, "minute": 28, "second": 46}
